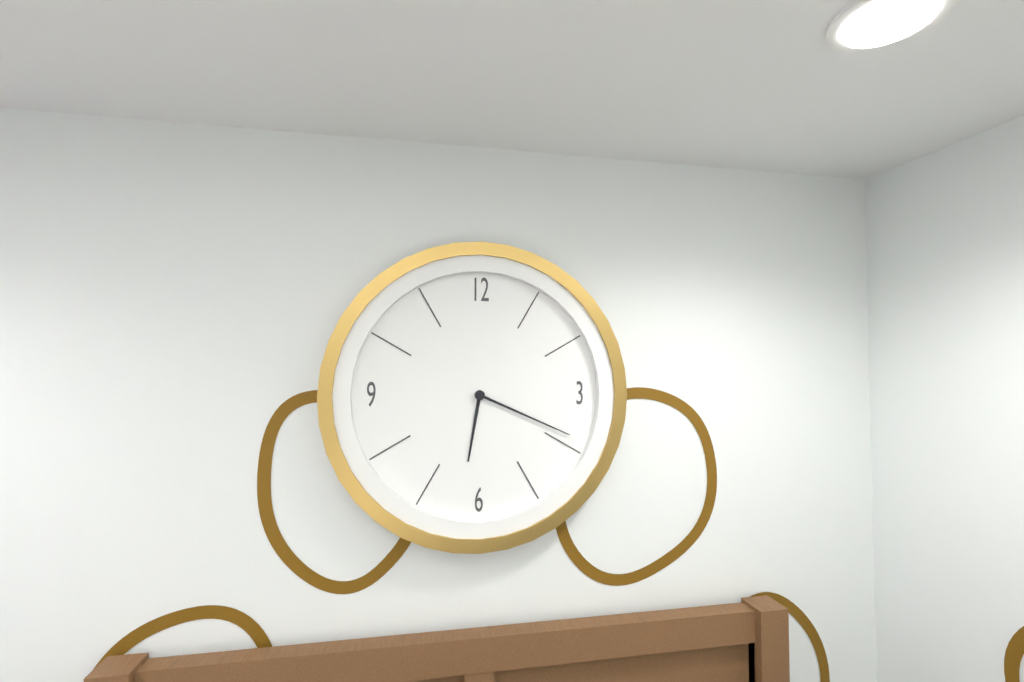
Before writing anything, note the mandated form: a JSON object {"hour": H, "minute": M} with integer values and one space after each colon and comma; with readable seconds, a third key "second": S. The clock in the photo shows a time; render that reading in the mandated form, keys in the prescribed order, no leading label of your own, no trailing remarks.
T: {"hour": 6, "minute": 19}
